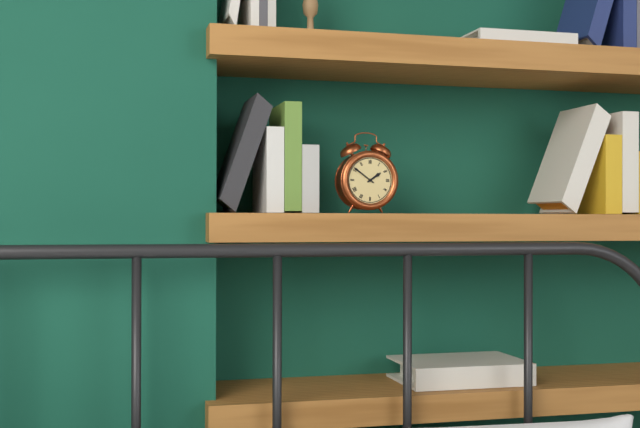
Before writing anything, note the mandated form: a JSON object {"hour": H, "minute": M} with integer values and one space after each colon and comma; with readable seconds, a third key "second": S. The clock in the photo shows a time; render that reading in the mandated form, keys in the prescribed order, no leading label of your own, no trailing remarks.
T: {"hour": 1, "minute": 51}
